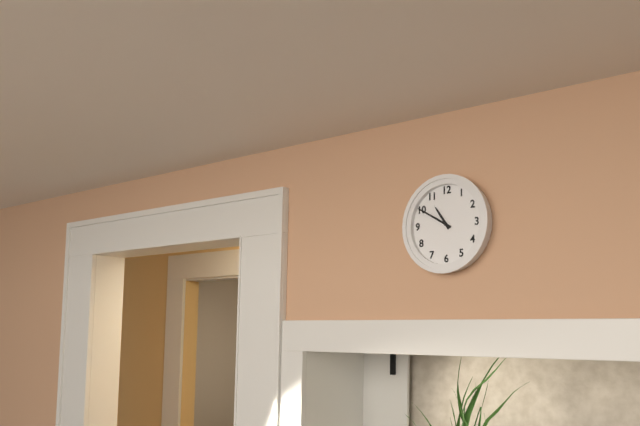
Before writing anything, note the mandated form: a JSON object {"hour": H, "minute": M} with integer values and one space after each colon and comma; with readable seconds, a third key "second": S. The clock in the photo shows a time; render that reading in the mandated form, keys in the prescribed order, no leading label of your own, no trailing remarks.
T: {"hour": 10, "minute": 50}
